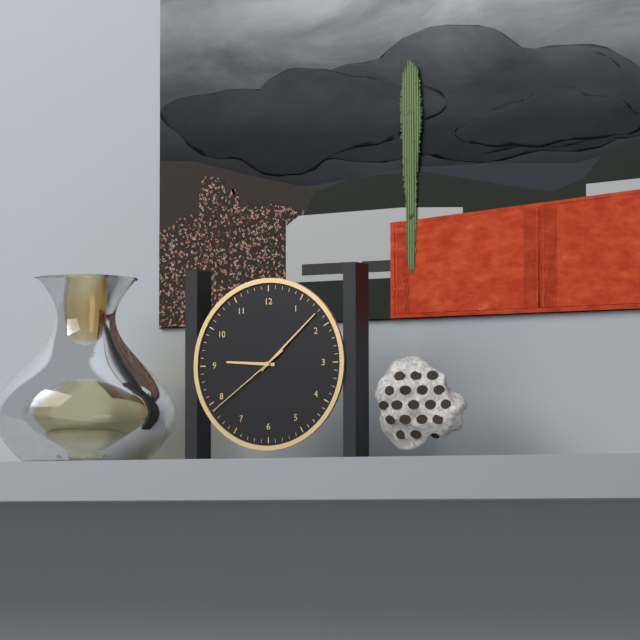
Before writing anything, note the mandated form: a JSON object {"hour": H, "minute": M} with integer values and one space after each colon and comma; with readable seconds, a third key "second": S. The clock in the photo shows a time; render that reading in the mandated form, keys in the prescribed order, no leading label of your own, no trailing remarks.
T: {"hour": 9, "minute": 8, "second": 39}
